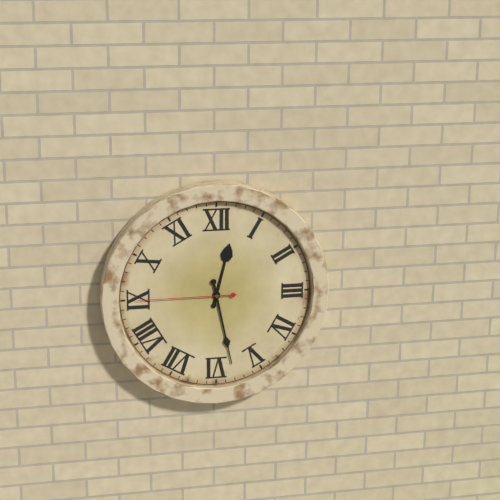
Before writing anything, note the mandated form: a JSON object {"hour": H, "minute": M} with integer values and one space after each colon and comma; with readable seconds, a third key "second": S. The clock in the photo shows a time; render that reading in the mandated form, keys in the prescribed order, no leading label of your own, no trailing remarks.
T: {"hour": 12, "minute": 28, "second": 45}
